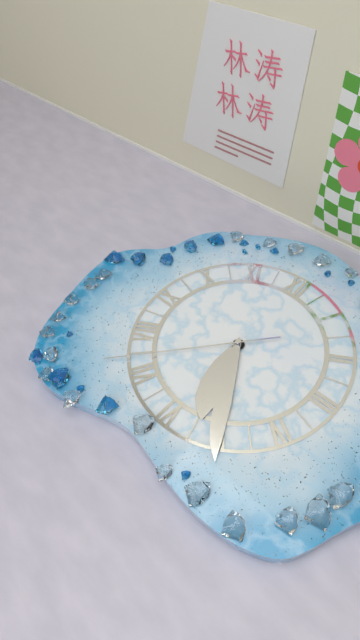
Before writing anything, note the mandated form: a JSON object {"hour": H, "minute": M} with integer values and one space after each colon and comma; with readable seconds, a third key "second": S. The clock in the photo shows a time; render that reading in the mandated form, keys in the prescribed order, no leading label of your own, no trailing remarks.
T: {"hour": 5, "minute": 25, "second": 37}
